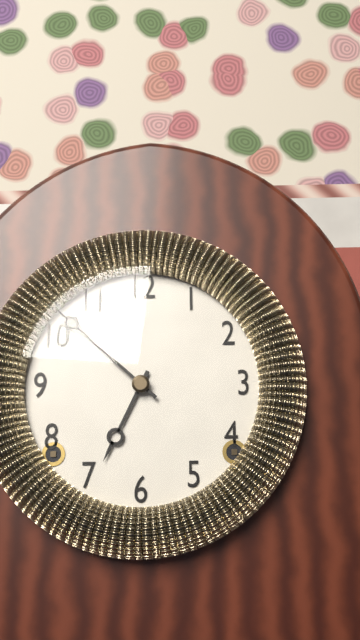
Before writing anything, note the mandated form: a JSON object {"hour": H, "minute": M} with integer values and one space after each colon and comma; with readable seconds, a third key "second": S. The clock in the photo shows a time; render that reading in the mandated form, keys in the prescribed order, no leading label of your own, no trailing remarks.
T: {"hour": 6, "minute": 52}
